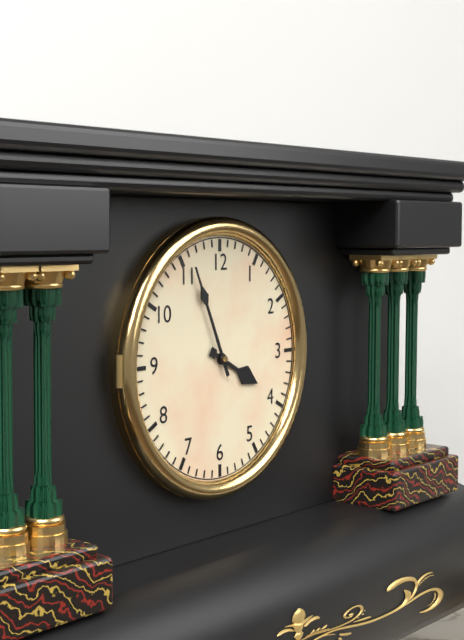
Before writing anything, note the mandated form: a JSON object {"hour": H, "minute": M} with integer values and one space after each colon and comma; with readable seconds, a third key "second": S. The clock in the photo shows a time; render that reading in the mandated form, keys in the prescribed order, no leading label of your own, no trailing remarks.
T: {"hour": 3, "minute": 56}
